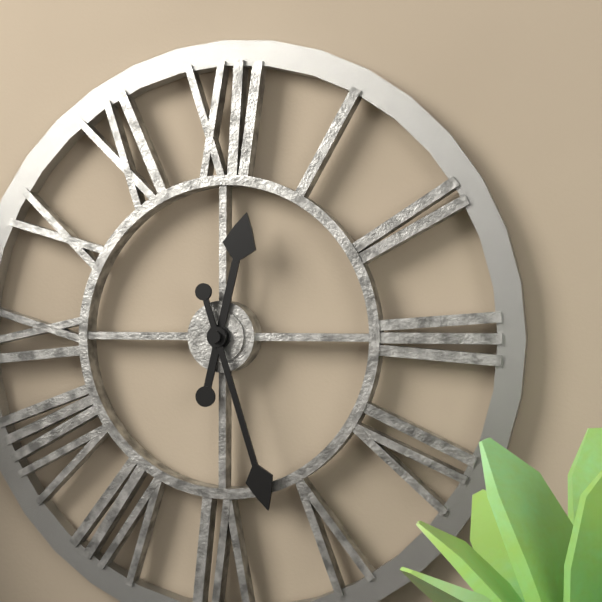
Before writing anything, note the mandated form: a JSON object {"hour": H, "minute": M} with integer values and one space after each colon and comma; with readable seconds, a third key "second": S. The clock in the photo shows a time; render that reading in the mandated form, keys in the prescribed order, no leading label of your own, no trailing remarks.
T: {"hour": 12, "minute": 27}
